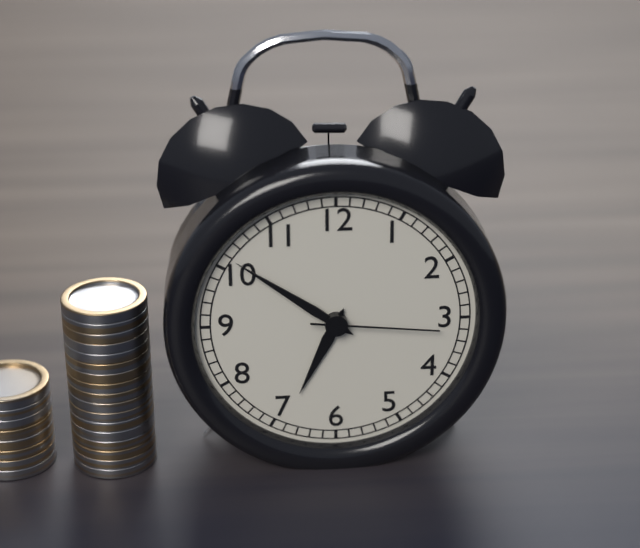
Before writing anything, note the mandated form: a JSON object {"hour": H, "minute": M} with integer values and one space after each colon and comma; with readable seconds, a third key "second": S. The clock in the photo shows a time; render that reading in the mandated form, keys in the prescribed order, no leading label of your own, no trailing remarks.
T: {"hour": 6, "minute": 51, "second": 16}
